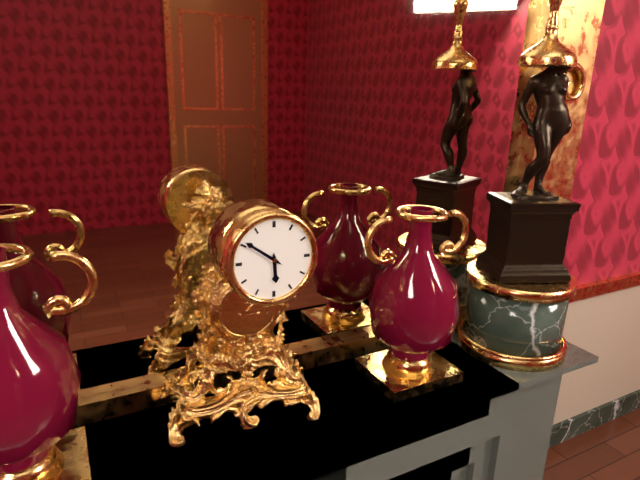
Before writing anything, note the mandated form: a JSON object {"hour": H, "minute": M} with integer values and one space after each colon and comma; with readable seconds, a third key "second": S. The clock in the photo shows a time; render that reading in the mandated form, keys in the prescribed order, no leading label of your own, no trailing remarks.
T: {"hour": 5, "minute": 51}
